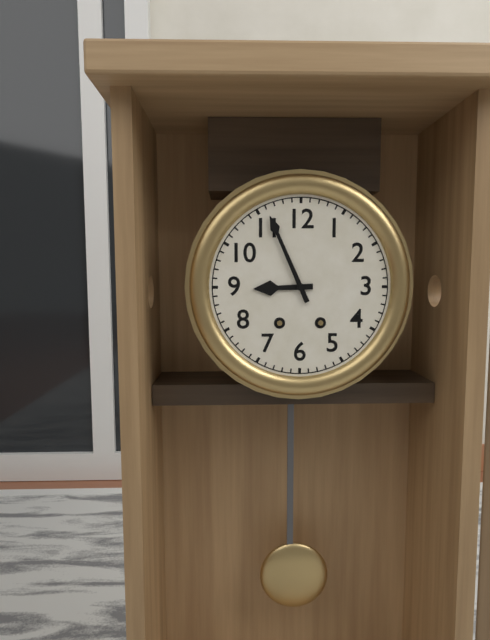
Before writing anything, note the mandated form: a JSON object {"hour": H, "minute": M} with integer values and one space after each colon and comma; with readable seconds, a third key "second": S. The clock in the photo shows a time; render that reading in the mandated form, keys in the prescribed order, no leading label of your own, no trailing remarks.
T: {"hour": 8, "minute": 56}
